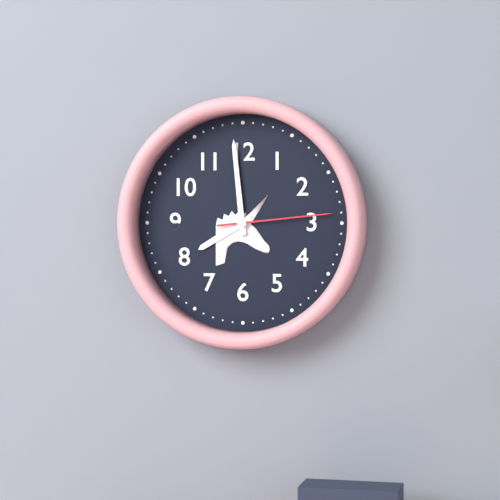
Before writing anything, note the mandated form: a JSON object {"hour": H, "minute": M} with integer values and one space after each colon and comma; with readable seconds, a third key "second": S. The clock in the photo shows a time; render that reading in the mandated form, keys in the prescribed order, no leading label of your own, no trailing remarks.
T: {"hour": 7, "minute": 59, "second": 14}
